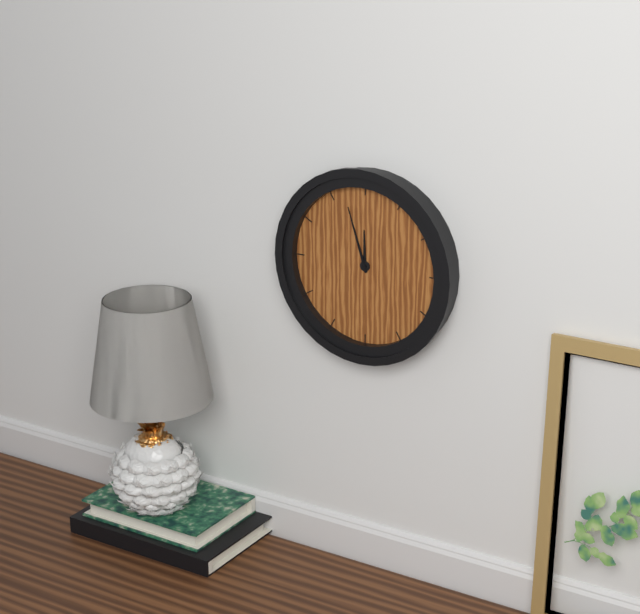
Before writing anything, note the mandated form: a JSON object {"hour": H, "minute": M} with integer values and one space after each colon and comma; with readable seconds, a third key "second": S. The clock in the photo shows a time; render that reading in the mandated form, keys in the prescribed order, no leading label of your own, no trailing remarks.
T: {"hour": 11, "minute": 57}
